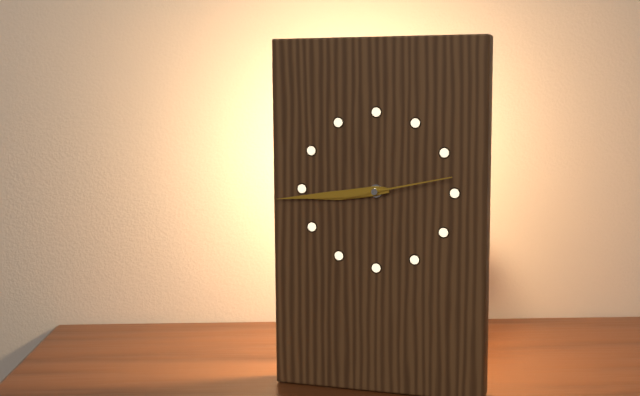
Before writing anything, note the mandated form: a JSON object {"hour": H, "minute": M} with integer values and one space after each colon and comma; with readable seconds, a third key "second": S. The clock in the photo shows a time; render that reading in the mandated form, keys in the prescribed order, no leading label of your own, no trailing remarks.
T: {"hour": 8, "minute": 44, "second": 13}
